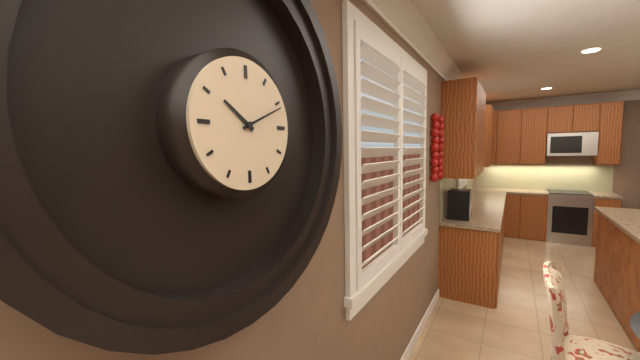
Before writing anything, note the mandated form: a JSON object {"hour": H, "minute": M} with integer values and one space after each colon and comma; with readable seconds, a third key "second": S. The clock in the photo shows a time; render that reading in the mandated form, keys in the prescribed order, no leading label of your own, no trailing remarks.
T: {"hour": 10, "minute": 11}
